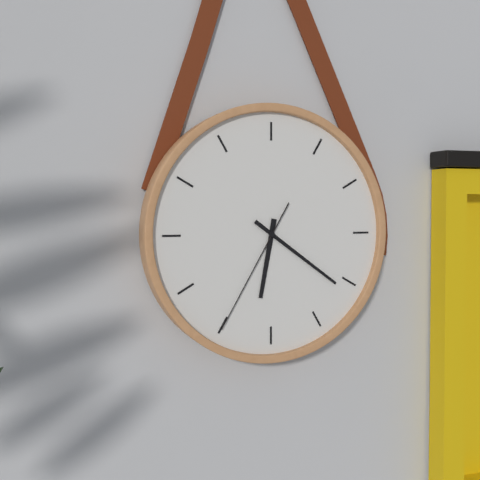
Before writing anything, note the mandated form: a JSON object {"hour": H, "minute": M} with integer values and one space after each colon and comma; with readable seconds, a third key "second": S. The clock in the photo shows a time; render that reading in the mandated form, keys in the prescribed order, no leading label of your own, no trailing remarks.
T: {"hour": 6, "minute": 21, "second": 35}
